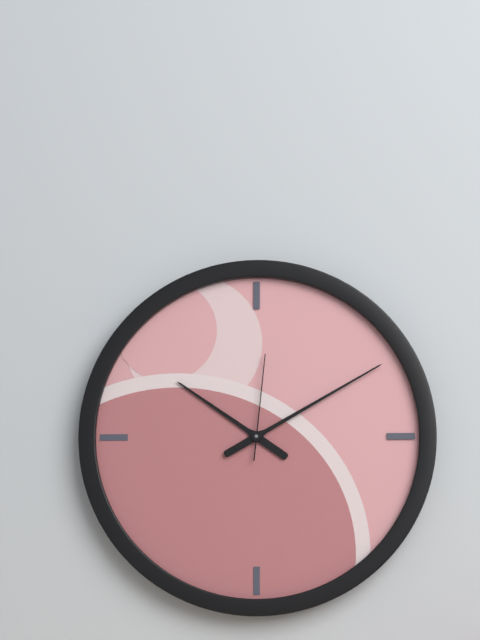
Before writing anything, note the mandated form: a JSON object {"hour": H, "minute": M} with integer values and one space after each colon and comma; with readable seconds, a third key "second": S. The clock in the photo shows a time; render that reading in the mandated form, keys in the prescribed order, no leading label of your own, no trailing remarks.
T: {"hour": 10, "minute": 10, "second": 1}
